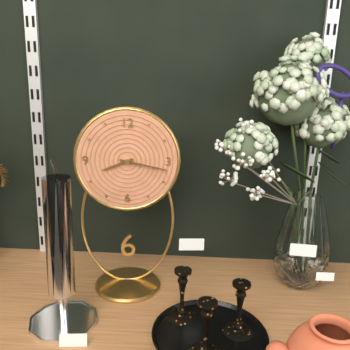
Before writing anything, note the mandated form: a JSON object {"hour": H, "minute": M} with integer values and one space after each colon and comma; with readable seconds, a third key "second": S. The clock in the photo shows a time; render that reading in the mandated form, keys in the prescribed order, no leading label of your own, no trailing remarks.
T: {"hour": 8, "minute": 17}
